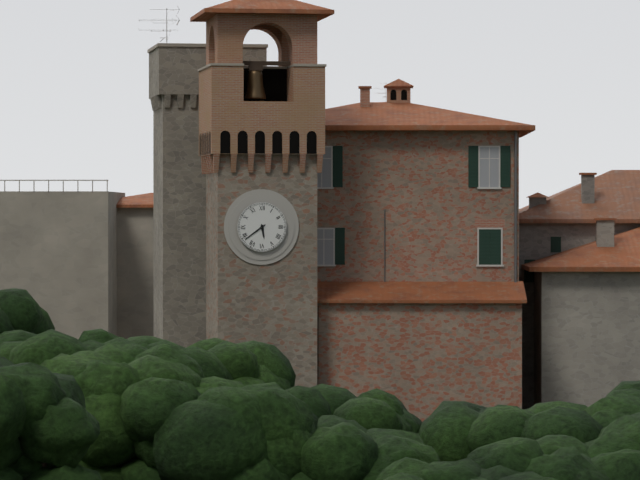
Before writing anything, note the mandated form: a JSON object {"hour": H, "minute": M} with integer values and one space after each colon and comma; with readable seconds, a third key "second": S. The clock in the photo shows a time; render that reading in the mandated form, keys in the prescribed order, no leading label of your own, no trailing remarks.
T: {"hour": 5, "minute": 39}
